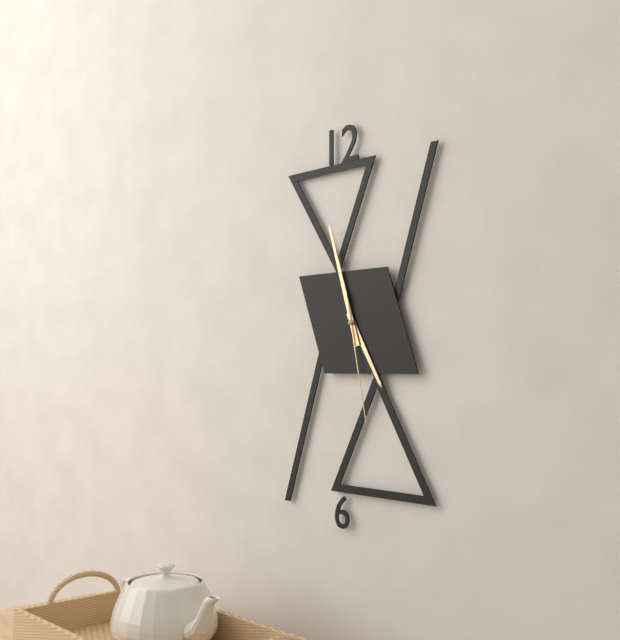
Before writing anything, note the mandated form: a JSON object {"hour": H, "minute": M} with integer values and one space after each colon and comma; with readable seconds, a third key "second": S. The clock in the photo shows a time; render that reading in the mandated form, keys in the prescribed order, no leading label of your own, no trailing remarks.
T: {"hour": 4, "minute": 57, "second": 28}
